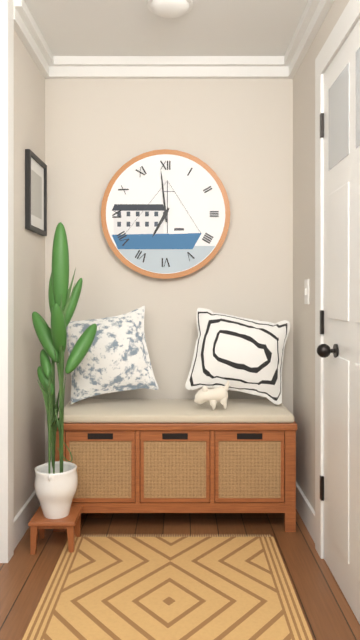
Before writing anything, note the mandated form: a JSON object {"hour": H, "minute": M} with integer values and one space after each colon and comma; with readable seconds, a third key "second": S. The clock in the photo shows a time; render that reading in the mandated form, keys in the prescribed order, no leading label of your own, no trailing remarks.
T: {"hour": 6, "minute": 59}
